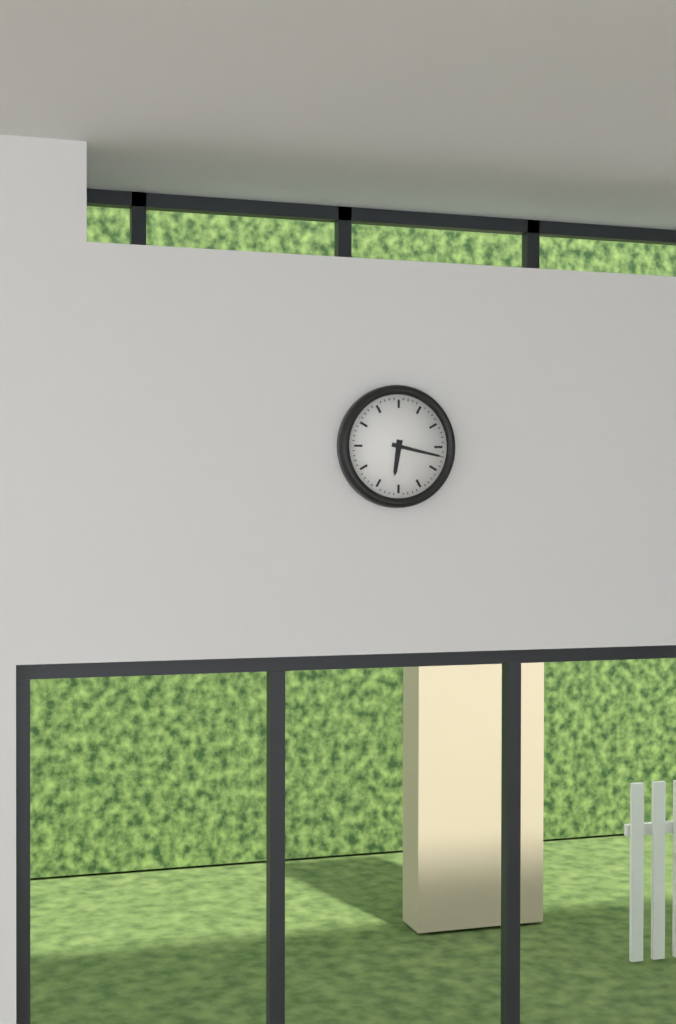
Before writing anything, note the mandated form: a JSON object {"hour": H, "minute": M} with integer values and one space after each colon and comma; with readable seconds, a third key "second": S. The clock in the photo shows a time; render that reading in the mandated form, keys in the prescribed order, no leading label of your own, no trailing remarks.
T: {"hour": 6, "minute": 17}
